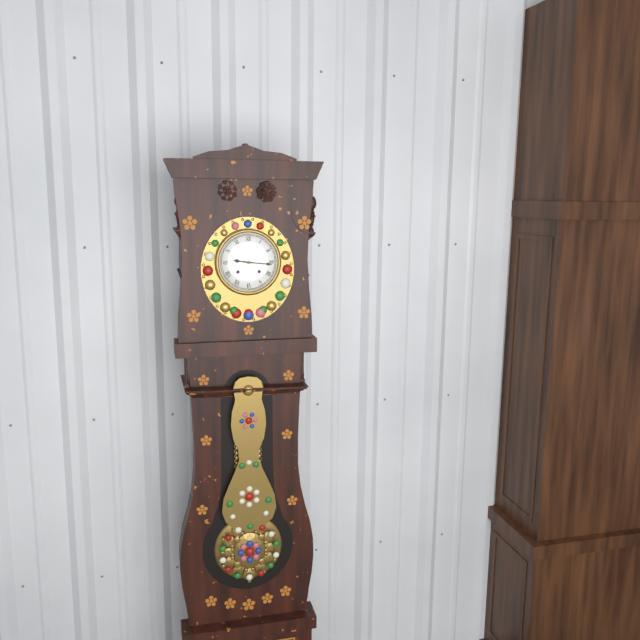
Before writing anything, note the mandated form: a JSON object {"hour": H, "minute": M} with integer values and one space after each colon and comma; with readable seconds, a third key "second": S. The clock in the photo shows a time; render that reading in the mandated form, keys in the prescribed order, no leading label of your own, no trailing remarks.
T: {"hour": 9, "minute": 16}
